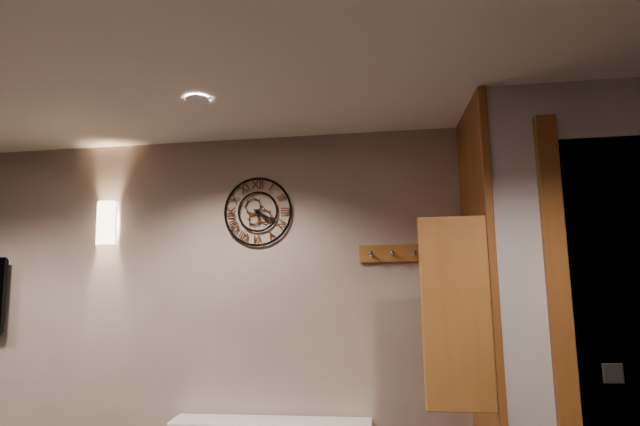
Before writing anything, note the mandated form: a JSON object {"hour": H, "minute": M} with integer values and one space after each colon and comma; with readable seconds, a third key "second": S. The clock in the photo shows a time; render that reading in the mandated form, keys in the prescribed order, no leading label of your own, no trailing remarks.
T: {"hour": 4, "minute": 20}
